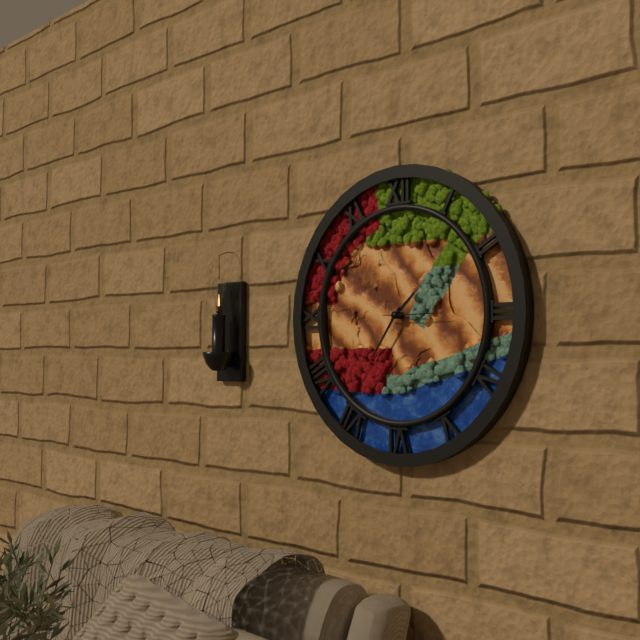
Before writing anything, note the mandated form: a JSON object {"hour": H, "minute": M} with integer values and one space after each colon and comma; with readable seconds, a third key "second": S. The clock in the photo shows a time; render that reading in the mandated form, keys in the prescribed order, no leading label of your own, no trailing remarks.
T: {"hour": 1, "minute": 36}
